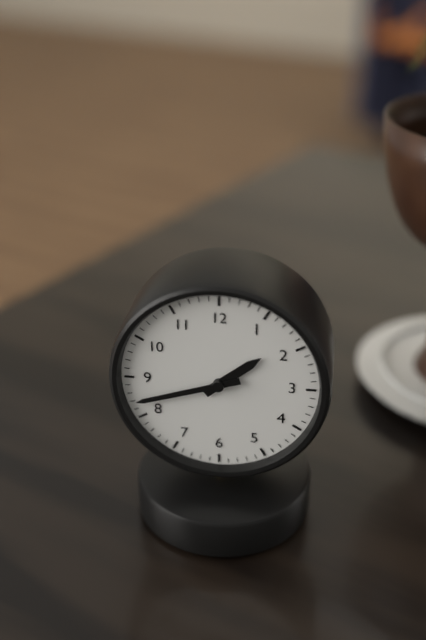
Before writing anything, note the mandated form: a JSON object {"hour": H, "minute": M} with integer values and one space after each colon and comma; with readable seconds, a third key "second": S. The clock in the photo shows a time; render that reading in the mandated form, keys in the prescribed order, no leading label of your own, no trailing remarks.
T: {"hour": 1, "minute": 42}
